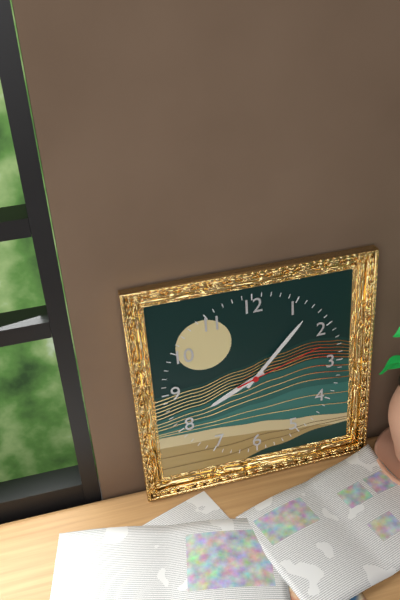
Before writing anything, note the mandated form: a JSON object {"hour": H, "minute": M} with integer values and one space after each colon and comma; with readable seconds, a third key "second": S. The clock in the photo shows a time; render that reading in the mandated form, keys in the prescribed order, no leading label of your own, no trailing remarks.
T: {"hour": 8, "minute": 7, "second": 12}
